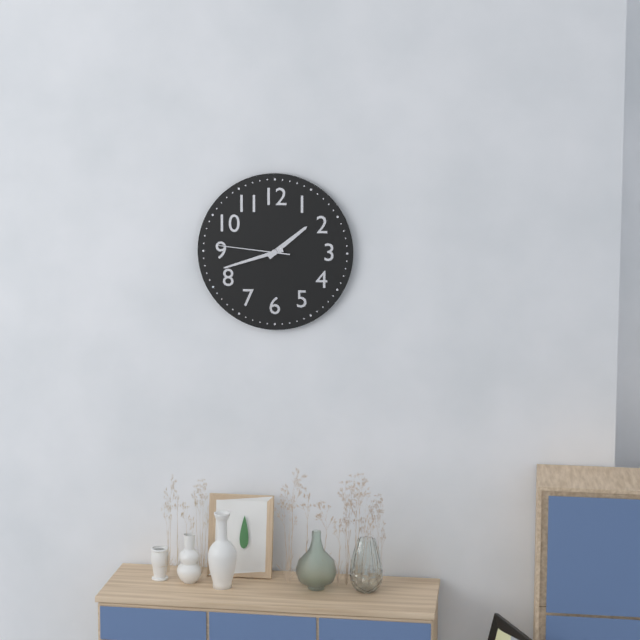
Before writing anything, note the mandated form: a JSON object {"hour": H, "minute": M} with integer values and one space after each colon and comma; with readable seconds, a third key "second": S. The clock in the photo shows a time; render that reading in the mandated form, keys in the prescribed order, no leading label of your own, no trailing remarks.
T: {"hour": 1, "minute": 42, "second": 46}
